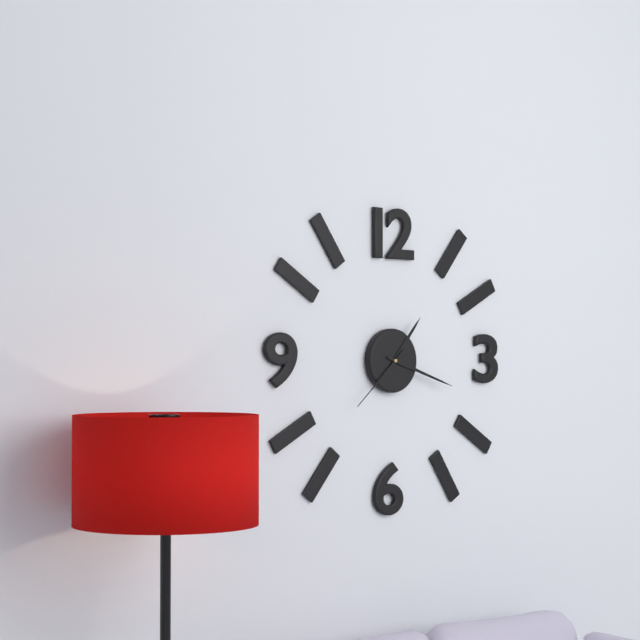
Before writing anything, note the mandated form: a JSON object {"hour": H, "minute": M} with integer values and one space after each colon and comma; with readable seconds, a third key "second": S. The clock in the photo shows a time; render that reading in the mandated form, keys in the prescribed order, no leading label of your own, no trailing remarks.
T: {"hour": 1, "minute": 18, "second": 38}
